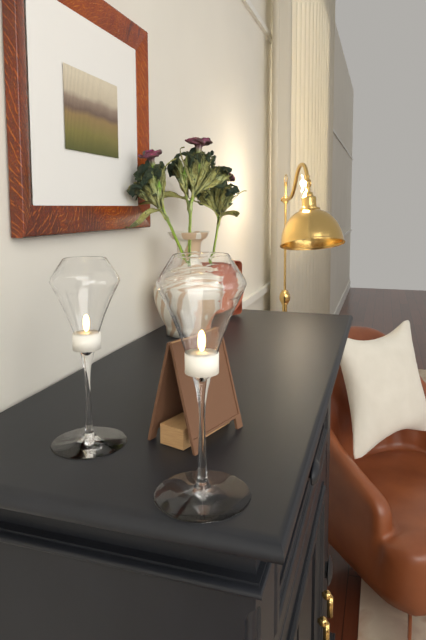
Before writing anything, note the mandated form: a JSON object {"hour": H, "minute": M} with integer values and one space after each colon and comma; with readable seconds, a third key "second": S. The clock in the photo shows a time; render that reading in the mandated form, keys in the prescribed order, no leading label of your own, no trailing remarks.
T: {"hour": 11, "minute": 32}
